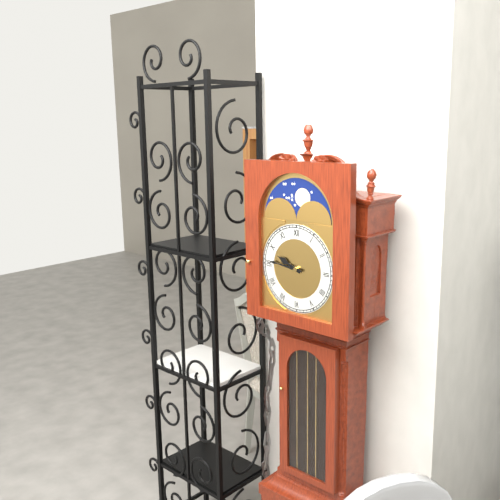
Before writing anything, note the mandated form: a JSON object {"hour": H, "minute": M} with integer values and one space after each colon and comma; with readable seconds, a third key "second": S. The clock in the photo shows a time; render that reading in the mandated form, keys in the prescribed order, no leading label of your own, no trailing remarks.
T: {"hour": 9, "minute": 46}
